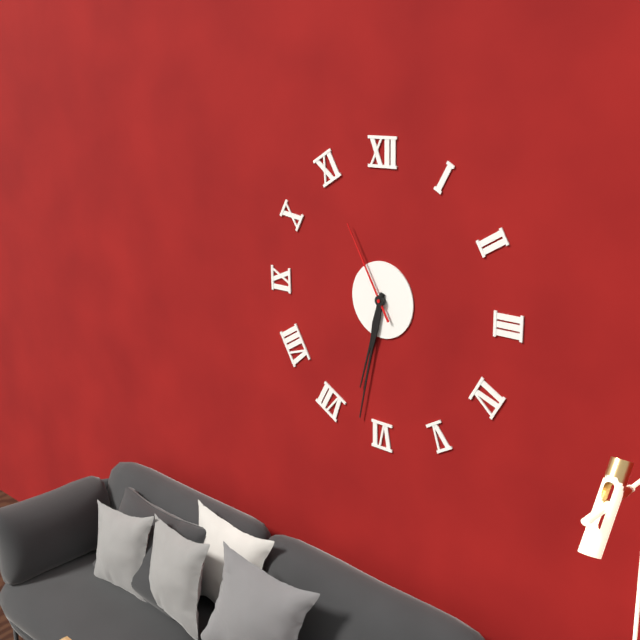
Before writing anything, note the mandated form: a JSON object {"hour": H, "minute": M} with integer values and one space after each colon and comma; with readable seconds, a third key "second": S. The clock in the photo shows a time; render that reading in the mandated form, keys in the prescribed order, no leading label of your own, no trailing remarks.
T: {"hour": 6, "minute": 32, "second": 55}
